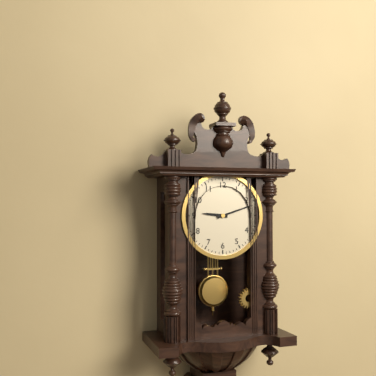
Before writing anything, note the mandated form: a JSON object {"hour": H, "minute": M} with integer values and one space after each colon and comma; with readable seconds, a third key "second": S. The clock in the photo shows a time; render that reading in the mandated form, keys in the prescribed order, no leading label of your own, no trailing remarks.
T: {"hour": 9, "minute": 12}
